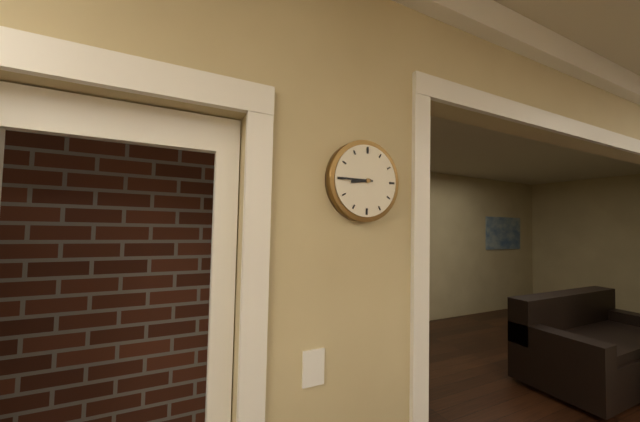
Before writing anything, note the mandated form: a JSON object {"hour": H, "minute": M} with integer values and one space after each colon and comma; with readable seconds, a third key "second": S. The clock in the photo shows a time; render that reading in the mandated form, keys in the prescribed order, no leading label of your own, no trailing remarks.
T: {"hour": 8, "minute": 45}
